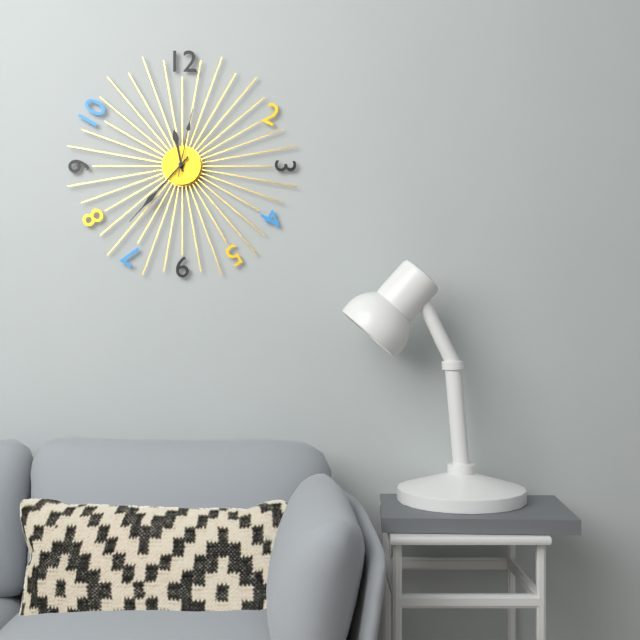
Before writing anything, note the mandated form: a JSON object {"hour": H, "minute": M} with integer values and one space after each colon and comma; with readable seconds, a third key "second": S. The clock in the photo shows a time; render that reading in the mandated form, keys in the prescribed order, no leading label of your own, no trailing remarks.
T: {"hour": 11, "minute": 37, "second": 2}
